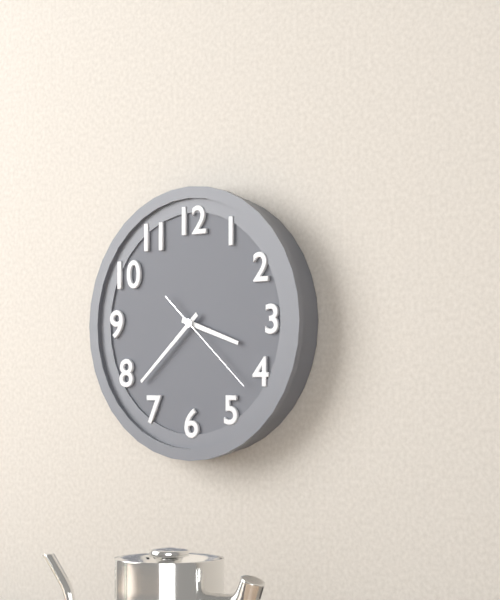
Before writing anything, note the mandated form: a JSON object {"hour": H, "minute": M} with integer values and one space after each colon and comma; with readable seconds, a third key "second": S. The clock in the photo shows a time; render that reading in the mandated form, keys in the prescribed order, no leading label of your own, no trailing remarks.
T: {"hour": 3, "minute": 38, "second": 22}
